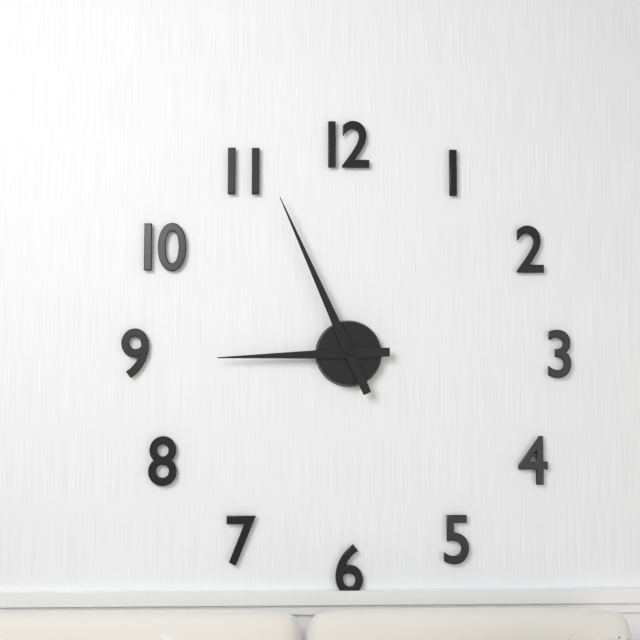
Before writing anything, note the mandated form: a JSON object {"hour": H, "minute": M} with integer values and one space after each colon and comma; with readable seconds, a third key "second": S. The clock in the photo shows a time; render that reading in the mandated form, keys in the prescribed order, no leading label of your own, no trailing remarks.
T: {"hour": 8, "minute": 56}
